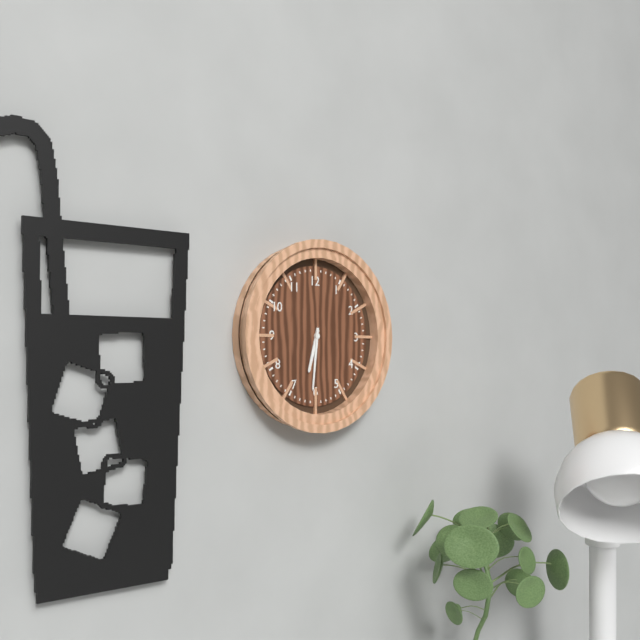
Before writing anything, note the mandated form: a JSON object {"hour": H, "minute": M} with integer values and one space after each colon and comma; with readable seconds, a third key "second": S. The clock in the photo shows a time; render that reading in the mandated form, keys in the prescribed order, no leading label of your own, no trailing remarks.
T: {"hour": 6, "minute": 31}
